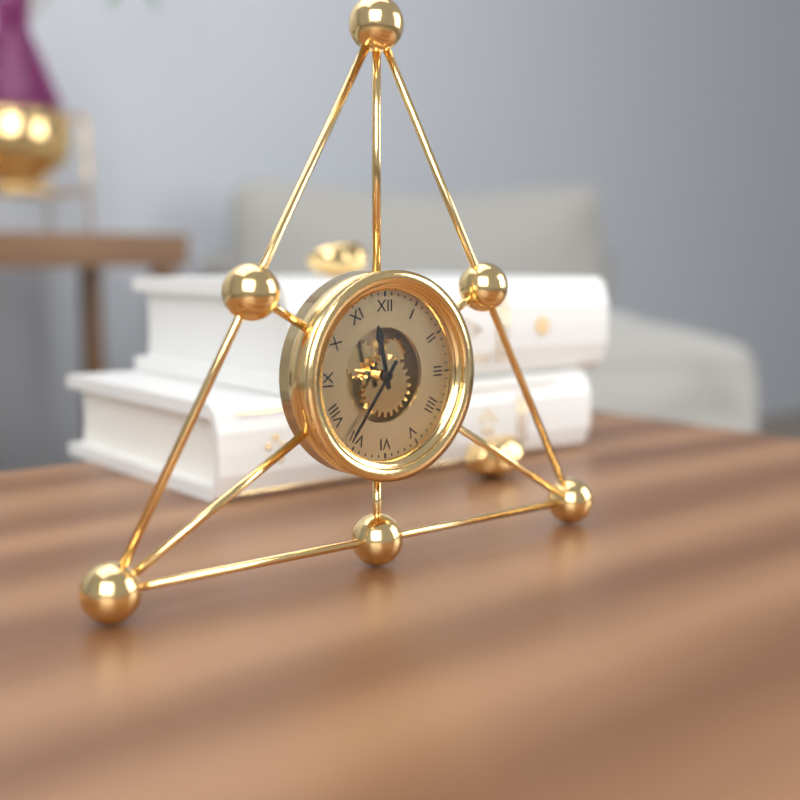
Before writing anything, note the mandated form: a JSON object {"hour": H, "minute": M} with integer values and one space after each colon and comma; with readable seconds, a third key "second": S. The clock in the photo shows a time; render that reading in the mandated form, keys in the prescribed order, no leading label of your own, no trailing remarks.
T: {"hour": 11, "minute": 36}
